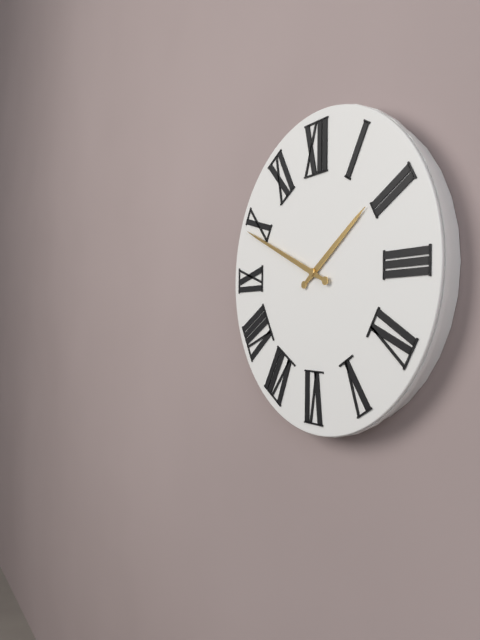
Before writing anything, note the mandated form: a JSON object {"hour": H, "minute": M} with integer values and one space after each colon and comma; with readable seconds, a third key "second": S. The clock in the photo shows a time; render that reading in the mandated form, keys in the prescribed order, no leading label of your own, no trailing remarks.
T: {"hour": 1, "minute": 49}
